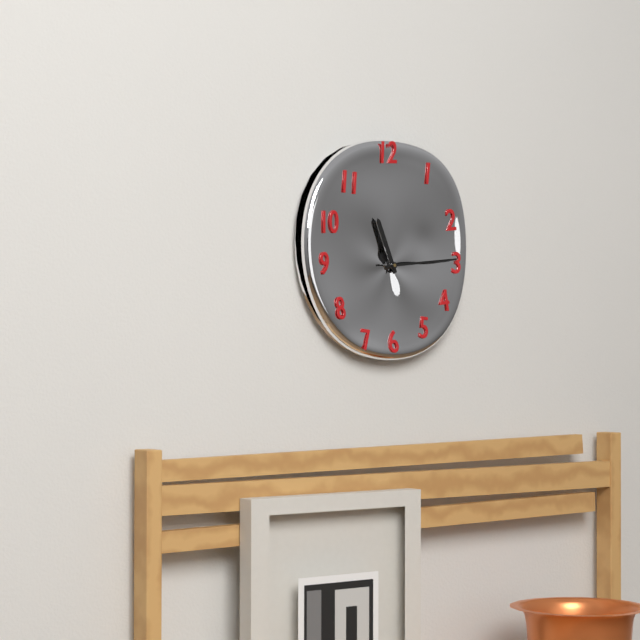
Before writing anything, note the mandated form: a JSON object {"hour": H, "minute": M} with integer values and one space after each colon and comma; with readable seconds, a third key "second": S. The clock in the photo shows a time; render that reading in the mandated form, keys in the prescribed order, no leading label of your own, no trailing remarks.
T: {"hour": 11, "minute": 14}
